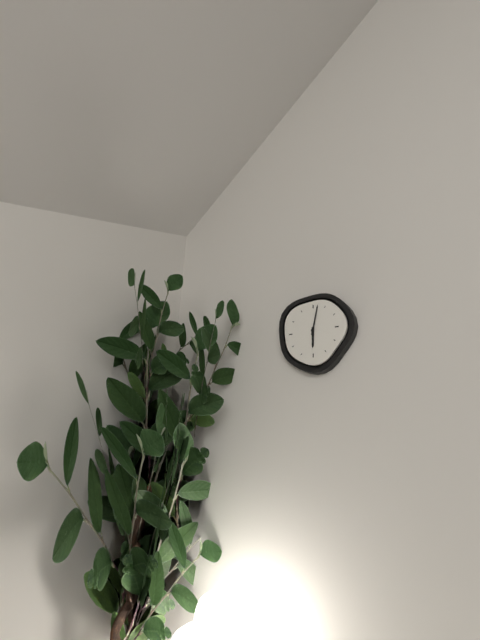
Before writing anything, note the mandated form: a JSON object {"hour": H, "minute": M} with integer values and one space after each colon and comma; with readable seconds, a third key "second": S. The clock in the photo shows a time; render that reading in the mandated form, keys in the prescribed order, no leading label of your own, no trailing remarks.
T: {"hour": 6, "minute": 2}
